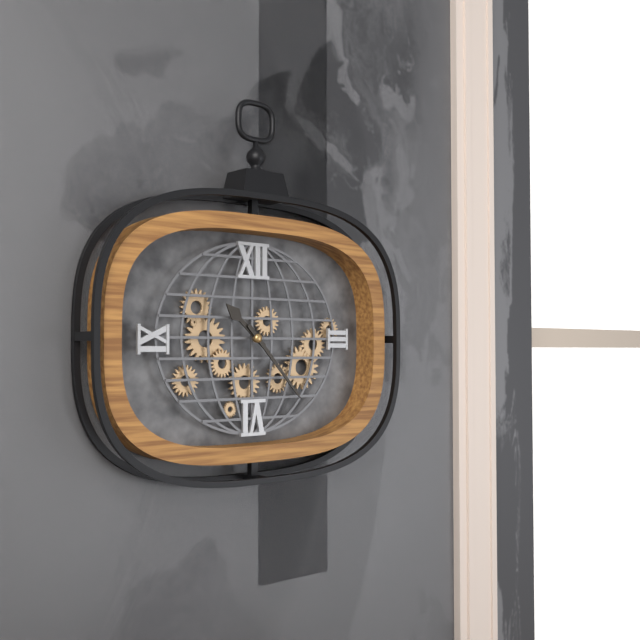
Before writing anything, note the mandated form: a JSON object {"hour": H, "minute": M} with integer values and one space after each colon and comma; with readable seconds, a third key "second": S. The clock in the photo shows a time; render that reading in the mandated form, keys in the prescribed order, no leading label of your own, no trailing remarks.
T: {"hour": 10, "minute": 23}
